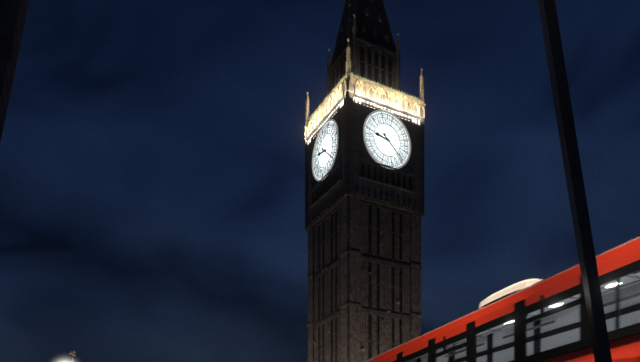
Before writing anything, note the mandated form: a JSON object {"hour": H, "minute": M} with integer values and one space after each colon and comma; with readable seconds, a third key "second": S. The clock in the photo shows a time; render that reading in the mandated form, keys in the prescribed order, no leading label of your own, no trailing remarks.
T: {"hour": 9, "minute": 22}
